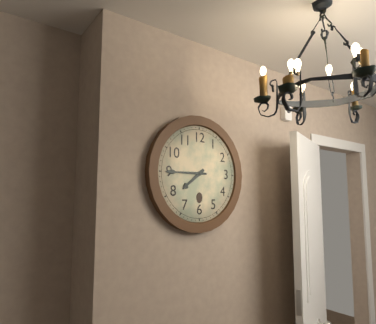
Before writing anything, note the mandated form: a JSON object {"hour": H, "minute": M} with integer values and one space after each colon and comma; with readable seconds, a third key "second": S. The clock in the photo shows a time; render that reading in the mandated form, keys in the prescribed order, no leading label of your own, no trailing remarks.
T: {"hour": 7, "minute": 45}
